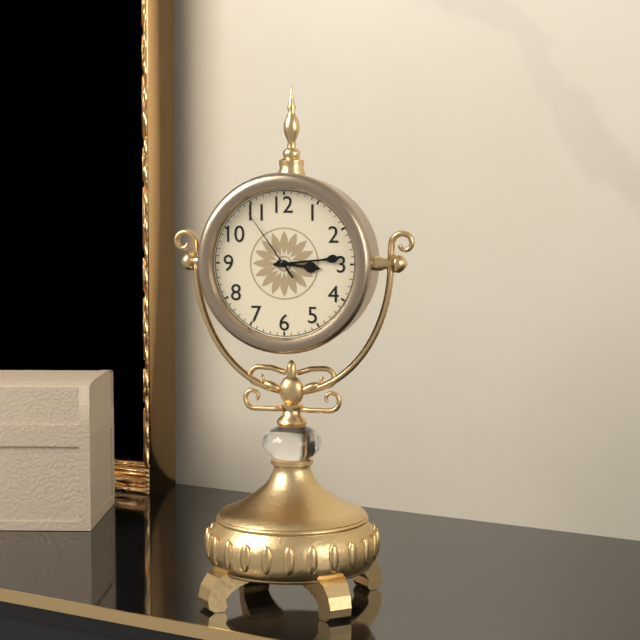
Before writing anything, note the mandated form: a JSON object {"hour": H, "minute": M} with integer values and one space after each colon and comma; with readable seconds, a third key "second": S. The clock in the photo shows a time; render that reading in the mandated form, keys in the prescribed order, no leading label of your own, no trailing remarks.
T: {"hour": 3, "minute": 14, "second": 54}
